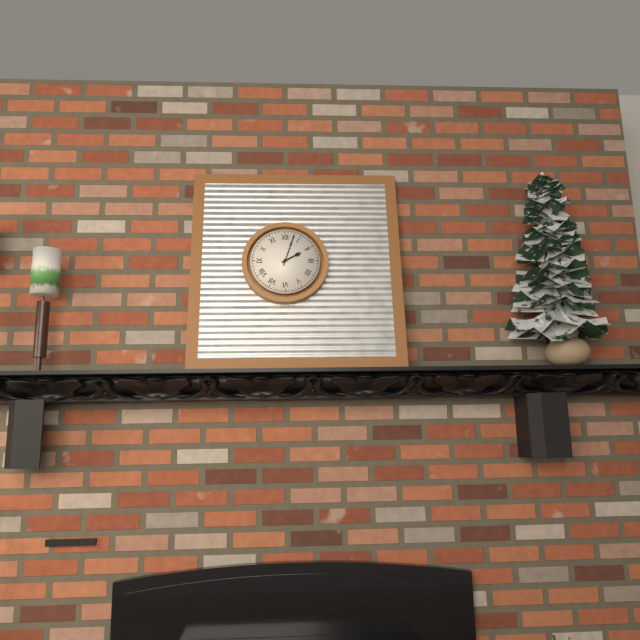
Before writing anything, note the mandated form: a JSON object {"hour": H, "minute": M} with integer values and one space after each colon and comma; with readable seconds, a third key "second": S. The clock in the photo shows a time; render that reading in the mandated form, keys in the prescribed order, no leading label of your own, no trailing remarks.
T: {"hour": 2, "minute": 3}
